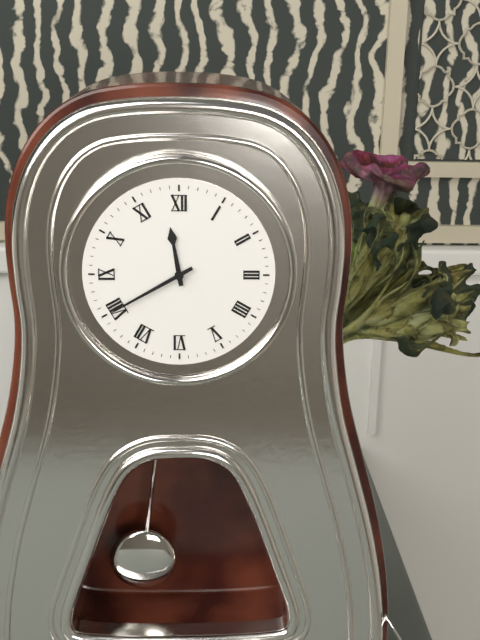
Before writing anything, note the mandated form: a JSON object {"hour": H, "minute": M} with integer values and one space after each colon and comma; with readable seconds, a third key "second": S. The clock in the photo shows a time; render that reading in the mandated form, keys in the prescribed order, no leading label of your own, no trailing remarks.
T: {"hour": 11, "minute": 40}
